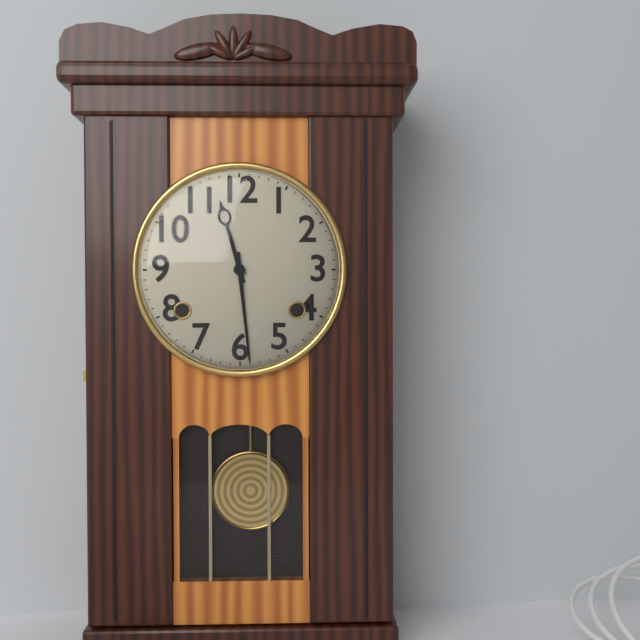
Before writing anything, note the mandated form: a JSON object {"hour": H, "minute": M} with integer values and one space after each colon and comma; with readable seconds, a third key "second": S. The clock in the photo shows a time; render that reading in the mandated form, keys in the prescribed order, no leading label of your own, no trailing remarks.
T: {"hour": 11, "minute": 29}
